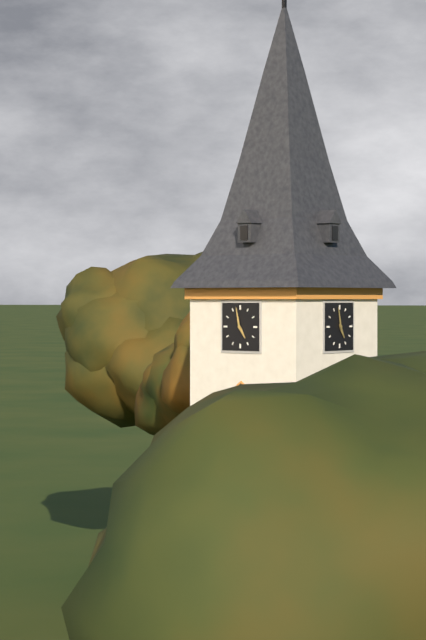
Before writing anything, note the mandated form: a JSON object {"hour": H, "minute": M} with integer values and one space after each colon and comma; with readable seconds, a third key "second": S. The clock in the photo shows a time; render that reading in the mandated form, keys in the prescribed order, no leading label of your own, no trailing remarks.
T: {"hour": 4, "minute": 58}
